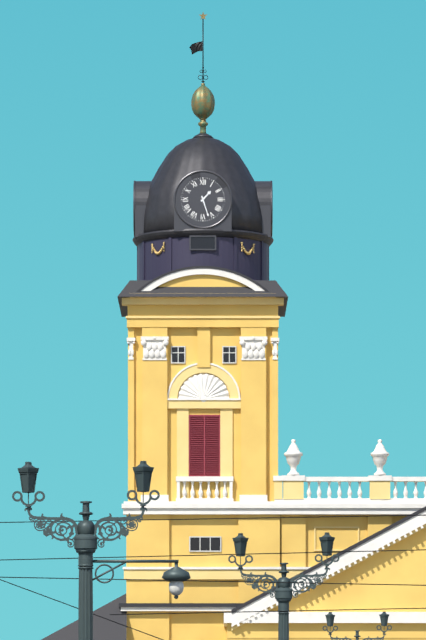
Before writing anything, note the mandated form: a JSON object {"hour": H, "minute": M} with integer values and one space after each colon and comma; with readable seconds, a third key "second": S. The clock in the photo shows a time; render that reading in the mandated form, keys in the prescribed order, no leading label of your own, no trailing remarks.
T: {"hour": 1, "minute": 27}
